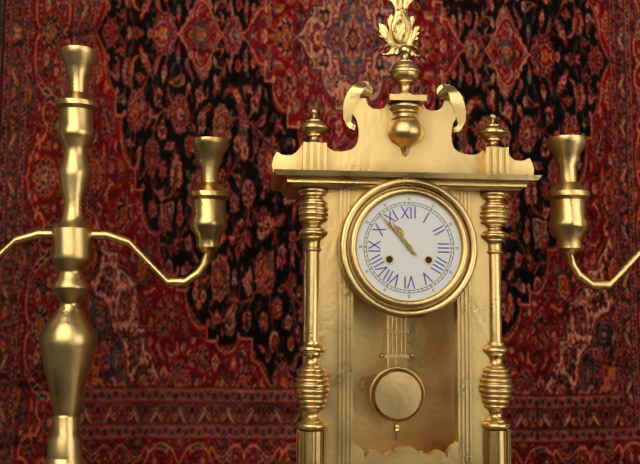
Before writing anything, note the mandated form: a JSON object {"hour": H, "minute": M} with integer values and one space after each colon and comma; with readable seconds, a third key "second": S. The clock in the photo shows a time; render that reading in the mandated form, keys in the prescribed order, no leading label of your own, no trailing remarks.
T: {"hour": 10, "minute": 53}
